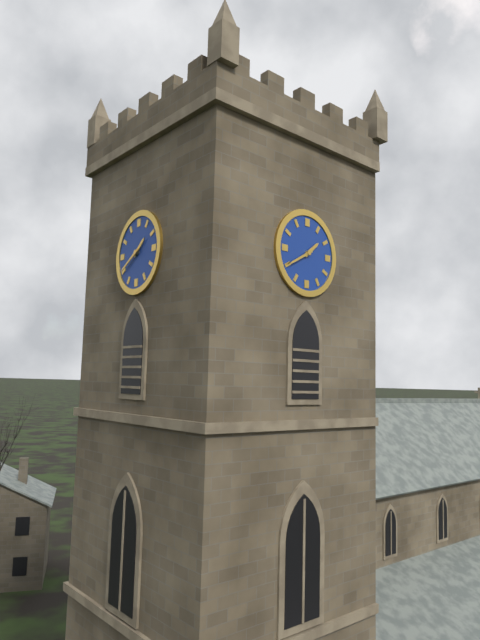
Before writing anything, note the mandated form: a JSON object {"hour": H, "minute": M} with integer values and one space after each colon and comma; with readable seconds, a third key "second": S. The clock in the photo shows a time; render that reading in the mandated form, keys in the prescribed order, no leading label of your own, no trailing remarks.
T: {"hour": 1, "minute": 40}
